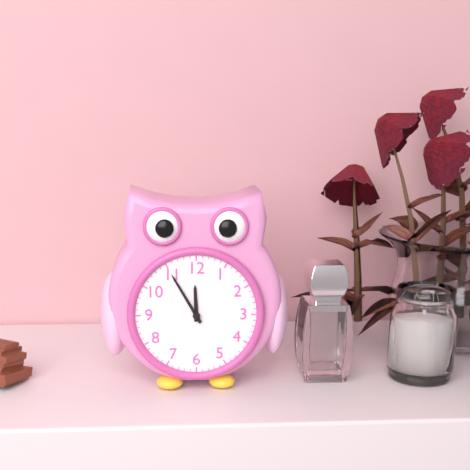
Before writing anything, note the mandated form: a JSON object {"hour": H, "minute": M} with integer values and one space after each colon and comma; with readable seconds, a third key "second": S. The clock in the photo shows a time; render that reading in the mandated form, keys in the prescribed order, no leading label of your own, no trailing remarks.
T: {"hour": 11, "minute": 55}
